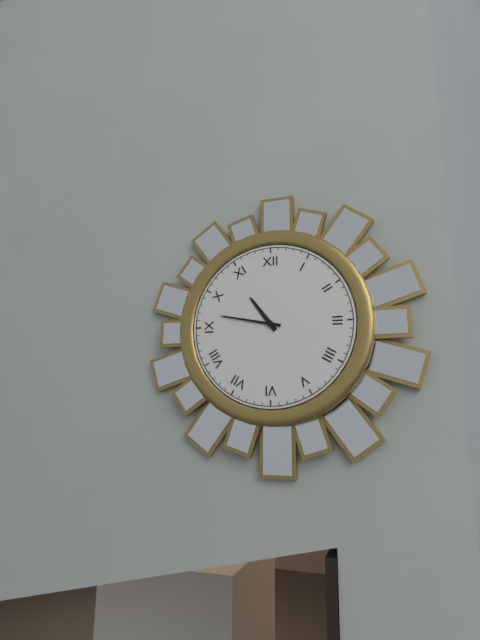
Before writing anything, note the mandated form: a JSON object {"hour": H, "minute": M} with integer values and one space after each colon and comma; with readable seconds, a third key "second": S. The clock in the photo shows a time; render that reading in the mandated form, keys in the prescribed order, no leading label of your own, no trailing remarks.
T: {"hour": 10, "minute": 47}
